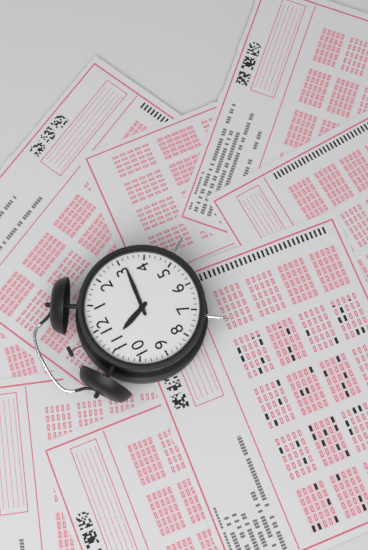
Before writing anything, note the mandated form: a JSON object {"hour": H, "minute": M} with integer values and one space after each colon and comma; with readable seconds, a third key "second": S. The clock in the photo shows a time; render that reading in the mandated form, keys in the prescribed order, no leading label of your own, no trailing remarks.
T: {"hour": 11, "minute": 16}
